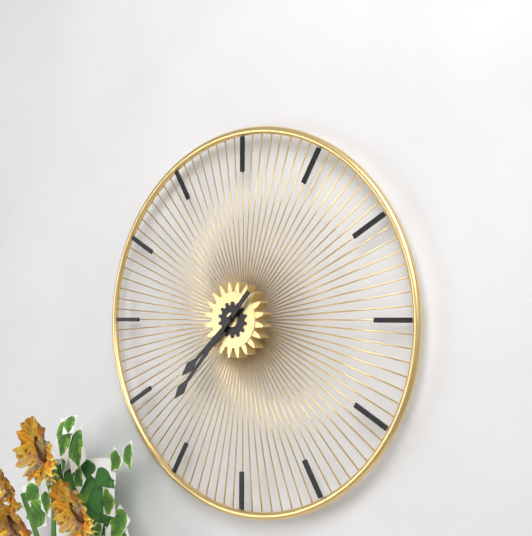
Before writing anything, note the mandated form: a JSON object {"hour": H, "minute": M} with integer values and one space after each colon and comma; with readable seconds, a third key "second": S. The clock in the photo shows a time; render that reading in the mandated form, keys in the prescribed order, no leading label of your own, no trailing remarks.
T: {"hour": 7, "minute": 37}
